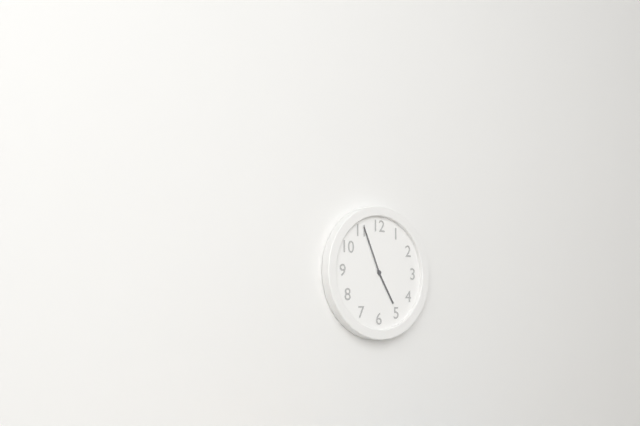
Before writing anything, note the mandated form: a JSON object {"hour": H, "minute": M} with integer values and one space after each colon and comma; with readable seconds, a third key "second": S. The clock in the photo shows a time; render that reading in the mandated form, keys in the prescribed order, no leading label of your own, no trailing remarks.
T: {"hour": 4, "minute": 56}
